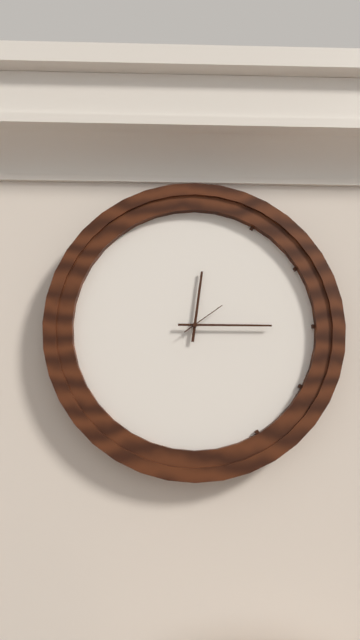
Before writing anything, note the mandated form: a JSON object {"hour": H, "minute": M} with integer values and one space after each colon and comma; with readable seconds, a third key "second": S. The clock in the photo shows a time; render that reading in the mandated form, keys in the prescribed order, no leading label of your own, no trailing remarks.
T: {"hour": 12, "minute": 15}
